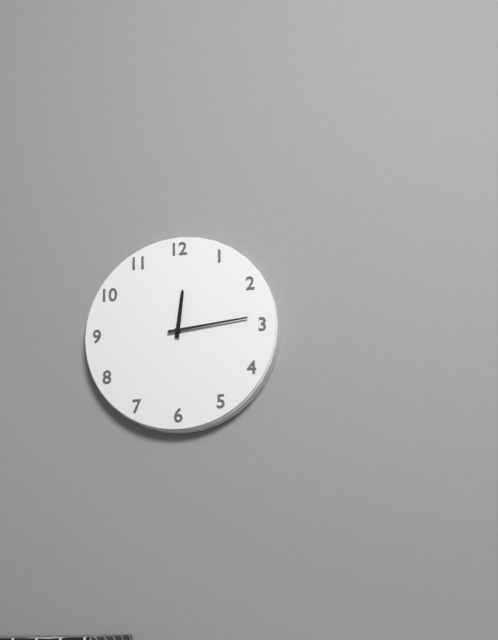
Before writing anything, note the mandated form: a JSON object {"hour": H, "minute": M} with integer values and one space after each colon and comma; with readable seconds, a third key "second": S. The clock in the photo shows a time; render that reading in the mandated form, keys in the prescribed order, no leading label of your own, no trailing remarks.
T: {"hour": 12, "minute": 14}
